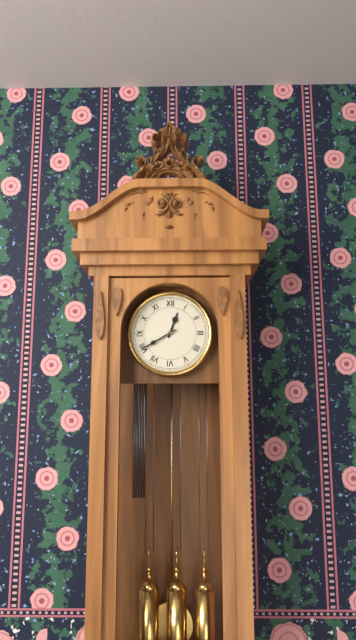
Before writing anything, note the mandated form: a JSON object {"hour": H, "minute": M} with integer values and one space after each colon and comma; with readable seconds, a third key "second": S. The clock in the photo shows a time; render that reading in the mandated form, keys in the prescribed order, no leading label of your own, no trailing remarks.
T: {"hour": 12, "minute": 40}
